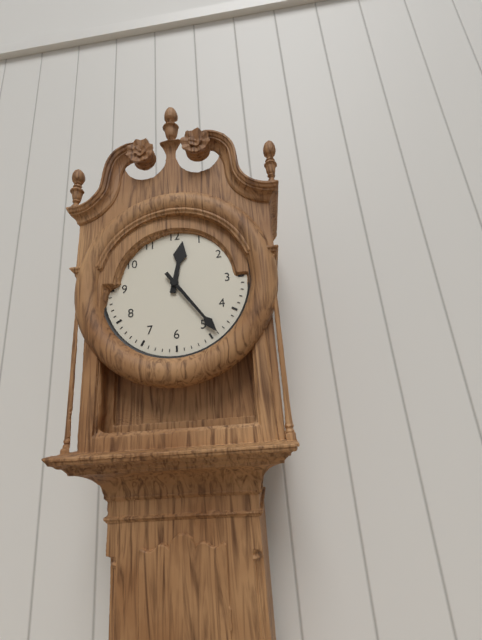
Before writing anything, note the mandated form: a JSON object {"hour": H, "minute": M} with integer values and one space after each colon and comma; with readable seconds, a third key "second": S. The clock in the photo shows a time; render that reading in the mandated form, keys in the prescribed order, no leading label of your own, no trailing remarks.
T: {"hour": 12, "minute": 24}
